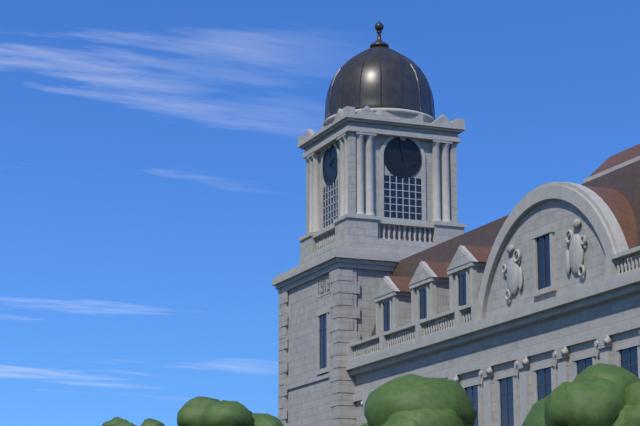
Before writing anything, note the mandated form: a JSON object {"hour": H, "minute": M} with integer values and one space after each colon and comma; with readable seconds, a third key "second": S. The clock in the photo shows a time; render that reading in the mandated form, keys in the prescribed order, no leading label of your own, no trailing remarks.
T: {"hour": 1, "minute": 58}
